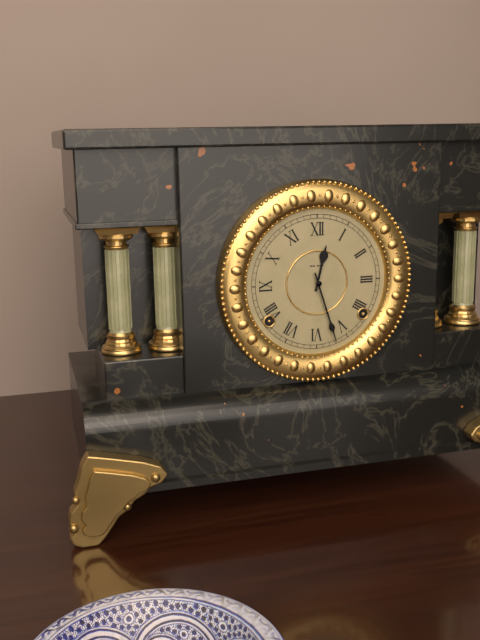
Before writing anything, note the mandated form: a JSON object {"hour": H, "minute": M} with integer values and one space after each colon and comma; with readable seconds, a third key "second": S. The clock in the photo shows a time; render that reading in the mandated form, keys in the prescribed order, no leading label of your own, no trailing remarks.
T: {"hour": 12, "minute": 27}
